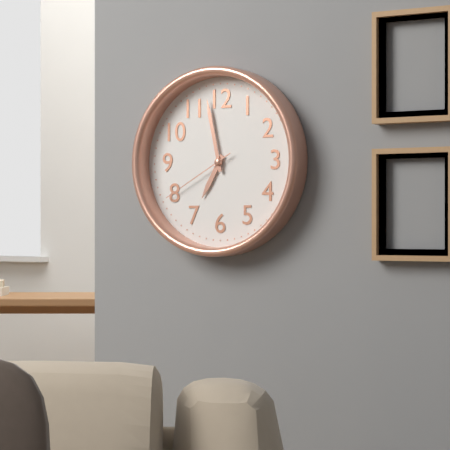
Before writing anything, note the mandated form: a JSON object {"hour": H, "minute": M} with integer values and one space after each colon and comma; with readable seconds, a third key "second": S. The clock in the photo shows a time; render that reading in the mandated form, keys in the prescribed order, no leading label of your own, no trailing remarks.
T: {"hour": 6, "minute": 58, "second": 40}
